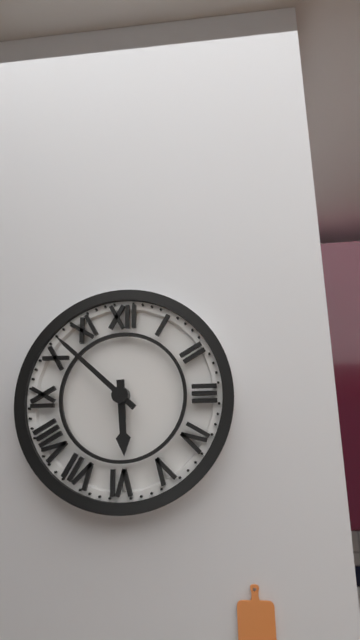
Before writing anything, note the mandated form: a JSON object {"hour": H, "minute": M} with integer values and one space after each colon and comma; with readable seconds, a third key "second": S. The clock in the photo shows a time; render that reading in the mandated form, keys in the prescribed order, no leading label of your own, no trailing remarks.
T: {"hour": 5, "minute": 52}
